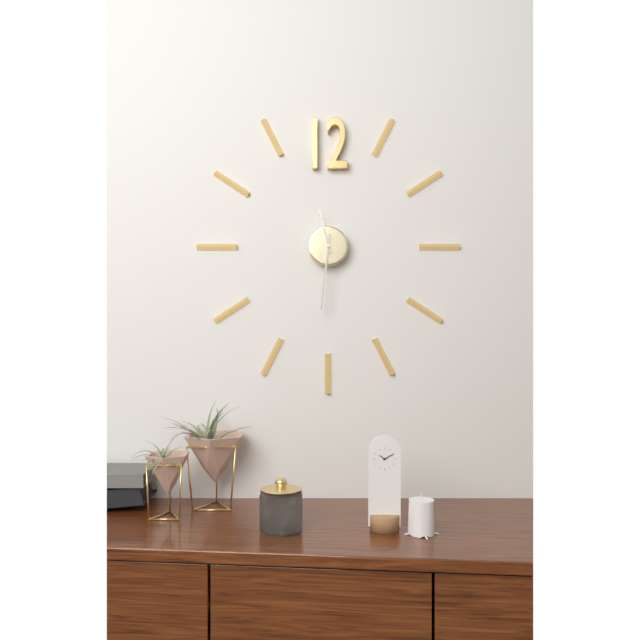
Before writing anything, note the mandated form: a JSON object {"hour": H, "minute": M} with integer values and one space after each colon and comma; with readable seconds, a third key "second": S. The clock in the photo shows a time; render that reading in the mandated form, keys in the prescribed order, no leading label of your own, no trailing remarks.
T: {"hour": 11, "minute": 31}
